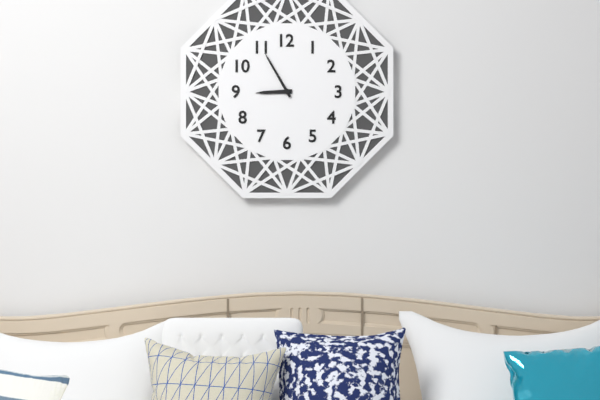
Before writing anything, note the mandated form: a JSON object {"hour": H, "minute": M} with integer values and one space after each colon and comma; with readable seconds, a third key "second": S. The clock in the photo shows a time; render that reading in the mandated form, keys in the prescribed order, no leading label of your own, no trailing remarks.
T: {"hour": 8, "minute": 55}
